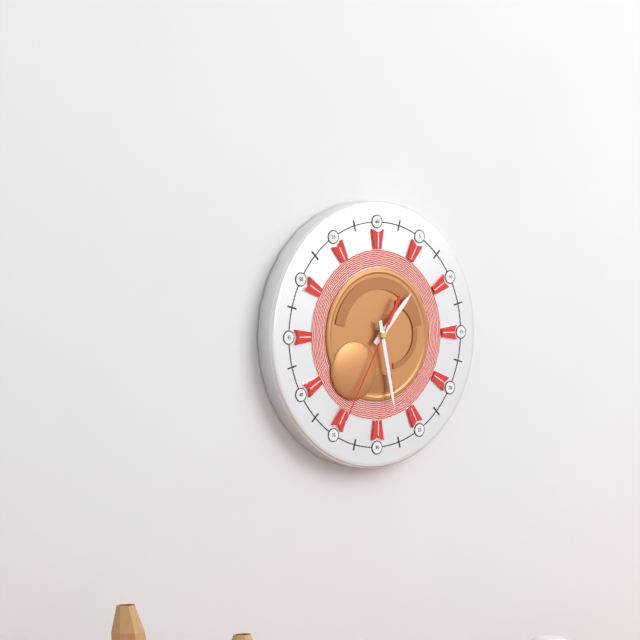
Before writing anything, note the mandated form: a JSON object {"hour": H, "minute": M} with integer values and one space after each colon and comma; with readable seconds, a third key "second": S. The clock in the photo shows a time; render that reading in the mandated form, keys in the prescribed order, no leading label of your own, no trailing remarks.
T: {"hour": 1, "minute": 28, "second": 35}
